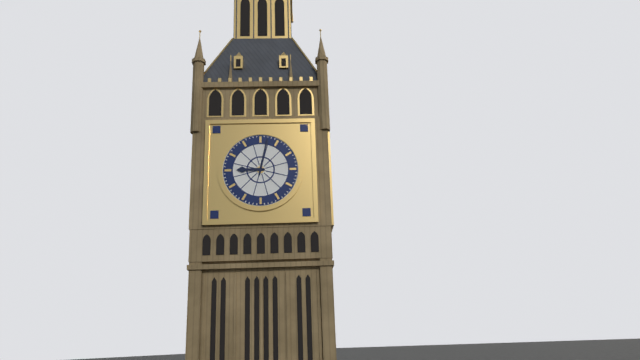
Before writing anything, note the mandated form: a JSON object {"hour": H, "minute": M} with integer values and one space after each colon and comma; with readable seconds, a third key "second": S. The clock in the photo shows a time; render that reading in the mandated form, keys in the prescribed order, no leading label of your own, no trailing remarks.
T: {"hour": 9, "minute": 2}
